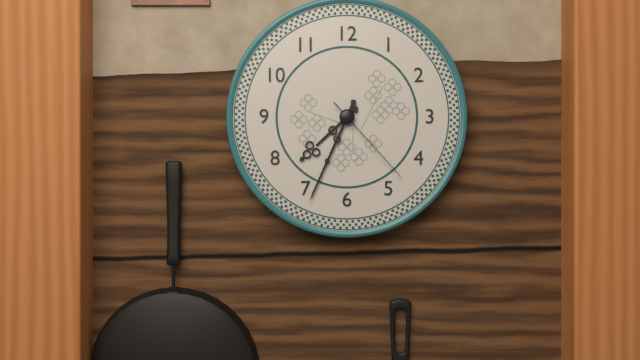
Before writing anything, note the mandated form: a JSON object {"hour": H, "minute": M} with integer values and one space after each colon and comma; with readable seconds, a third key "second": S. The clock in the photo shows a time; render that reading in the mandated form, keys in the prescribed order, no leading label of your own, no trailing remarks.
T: {"hour": 7, "minute": 34, "second": 23}
